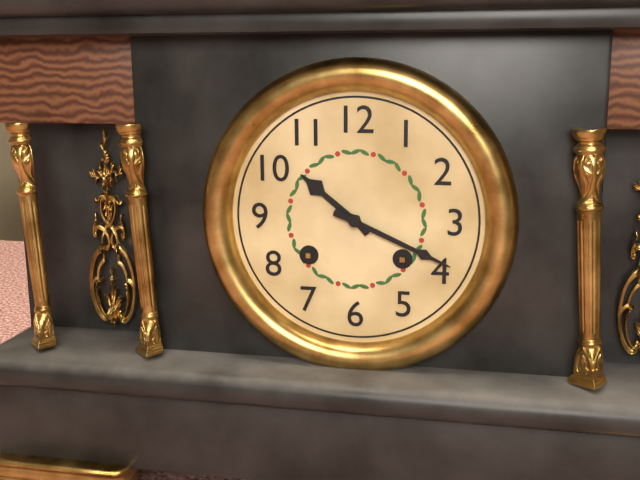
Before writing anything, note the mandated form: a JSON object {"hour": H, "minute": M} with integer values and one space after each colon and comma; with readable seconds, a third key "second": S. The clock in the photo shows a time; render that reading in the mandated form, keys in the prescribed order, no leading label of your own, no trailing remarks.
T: {"hour": 10, "minute": 19}
